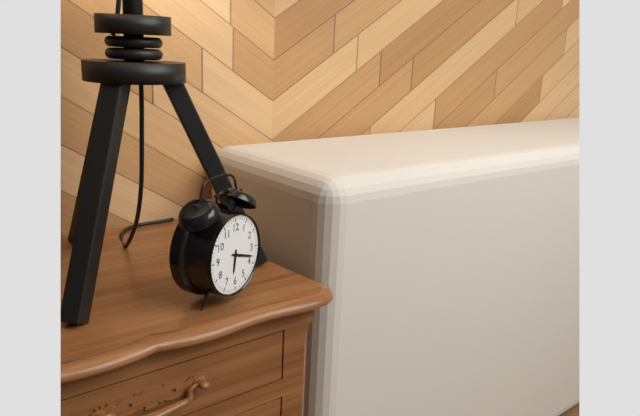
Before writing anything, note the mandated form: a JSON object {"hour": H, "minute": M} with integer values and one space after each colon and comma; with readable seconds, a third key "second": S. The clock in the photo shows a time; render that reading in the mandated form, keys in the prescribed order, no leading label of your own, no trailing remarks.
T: {"hour": 6, "minute": 18}
